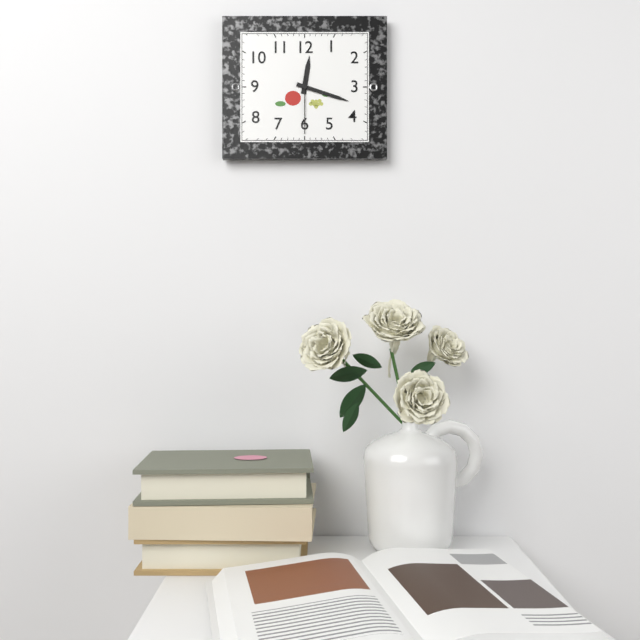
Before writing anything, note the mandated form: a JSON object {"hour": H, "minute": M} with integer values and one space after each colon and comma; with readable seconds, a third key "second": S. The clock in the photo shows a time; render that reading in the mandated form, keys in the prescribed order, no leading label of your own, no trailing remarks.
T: {"hour": 12, "minute": 18, "second": 30}
